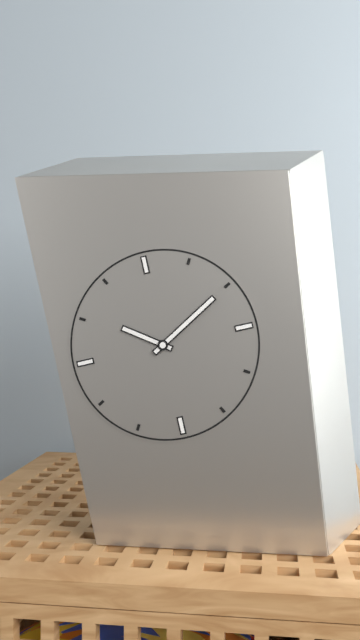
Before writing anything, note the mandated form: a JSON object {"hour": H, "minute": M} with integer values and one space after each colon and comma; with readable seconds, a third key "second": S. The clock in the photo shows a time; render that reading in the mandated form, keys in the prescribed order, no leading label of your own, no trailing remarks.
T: {"hour": 10, "minute": 10}
